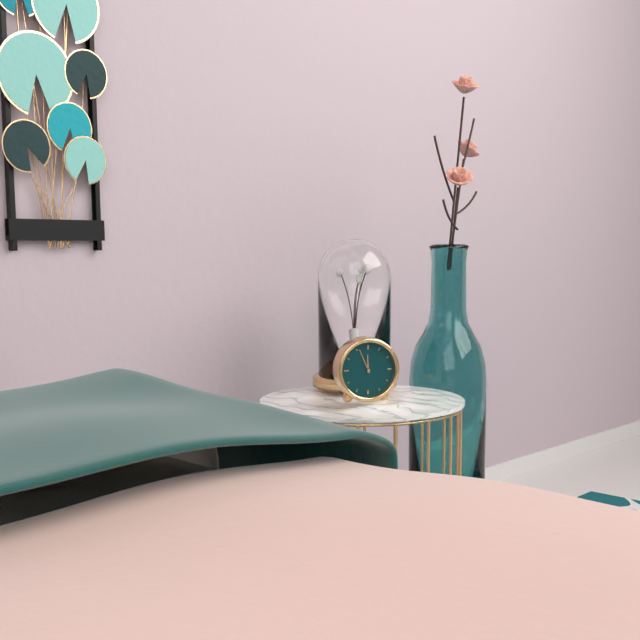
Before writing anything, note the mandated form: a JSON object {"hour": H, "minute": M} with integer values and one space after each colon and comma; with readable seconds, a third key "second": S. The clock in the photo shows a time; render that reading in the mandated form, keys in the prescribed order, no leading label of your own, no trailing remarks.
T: {"hour": 11, "minute": 56}
